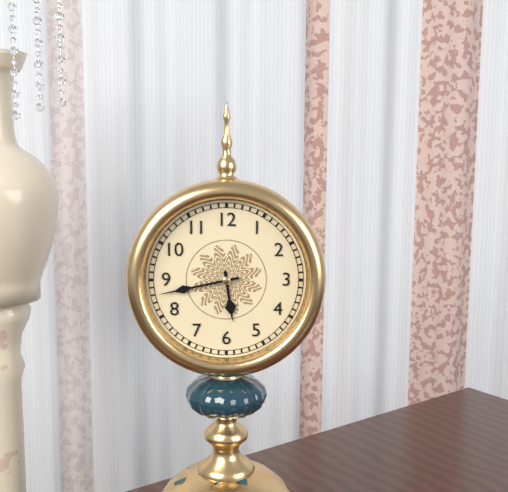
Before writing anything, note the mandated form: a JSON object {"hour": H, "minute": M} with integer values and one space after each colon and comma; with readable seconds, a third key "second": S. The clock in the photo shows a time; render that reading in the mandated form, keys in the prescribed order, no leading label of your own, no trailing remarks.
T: {"hour": 5, "minute": 43}
